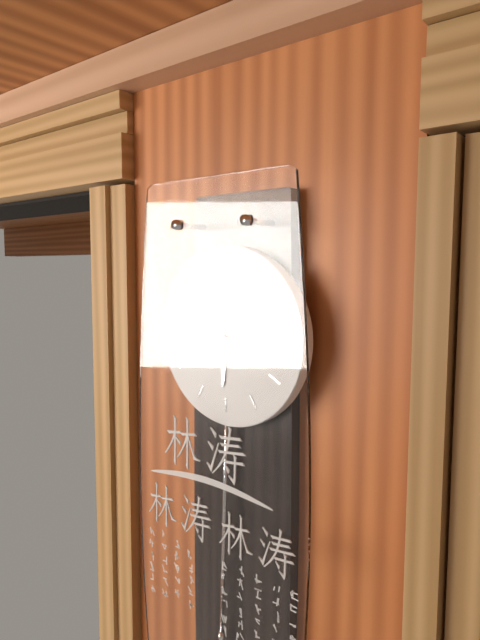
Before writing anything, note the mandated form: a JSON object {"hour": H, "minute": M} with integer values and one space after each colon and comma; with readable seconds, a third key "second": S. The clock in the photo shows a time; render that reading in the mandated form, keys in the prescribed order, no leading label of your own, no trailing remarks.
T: {"hour": 6, "minute": 8}
